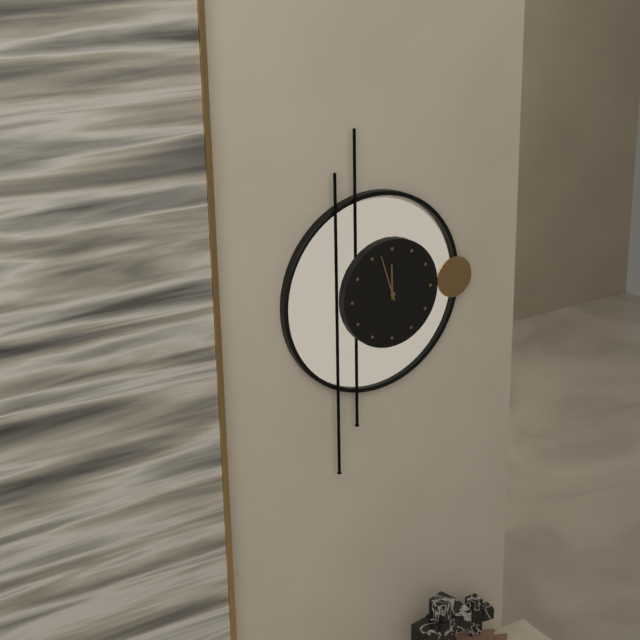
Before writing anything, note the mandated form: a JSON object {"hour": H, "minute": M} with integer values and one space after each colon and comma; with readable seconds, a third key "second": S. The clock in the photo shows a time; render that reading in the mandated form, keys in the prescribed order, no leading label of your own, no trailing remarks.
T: {"hour": 11, "minute": 57}
